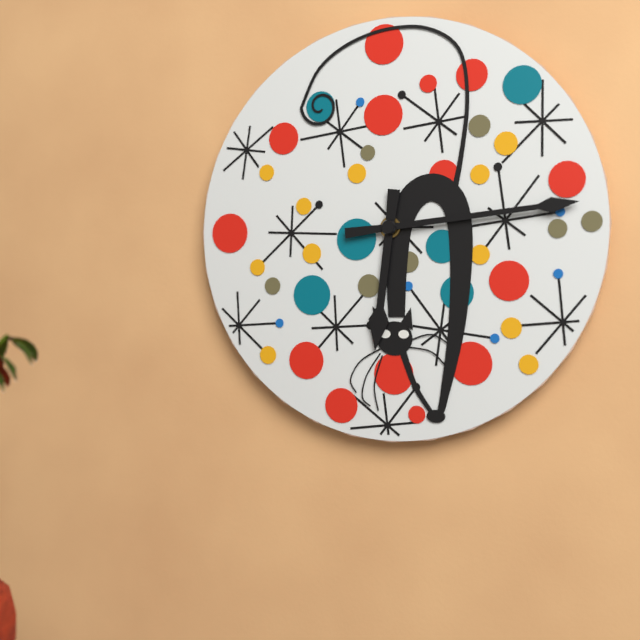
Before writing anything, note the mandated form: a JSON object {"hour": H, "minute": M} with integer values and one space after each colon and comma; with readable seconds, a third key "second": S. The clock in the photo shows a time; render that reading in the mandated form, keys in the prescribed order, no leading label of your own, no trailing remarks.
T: {"hour": 6, "minute": 14}
